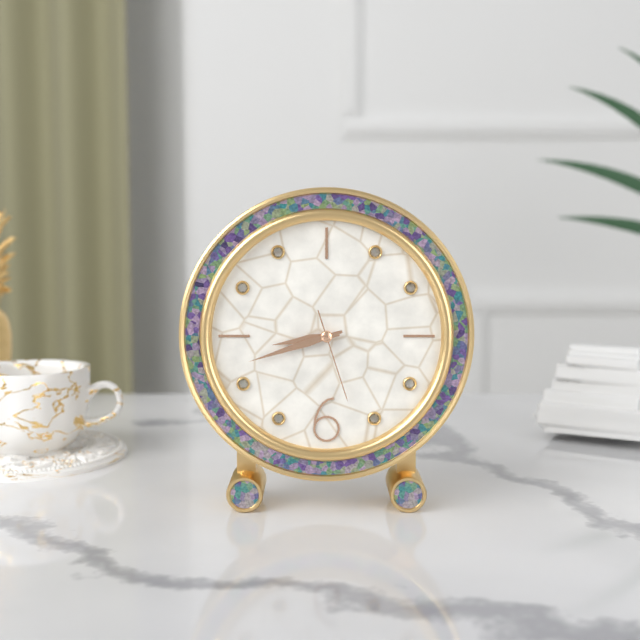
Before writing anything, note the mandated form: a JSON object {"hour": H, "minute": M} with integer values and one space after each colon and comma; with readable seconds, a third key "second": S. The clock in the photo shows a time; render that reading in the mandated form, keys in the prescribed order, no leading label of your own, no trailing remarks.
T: {"hour": 8, "minute": 42, "second": 27}
